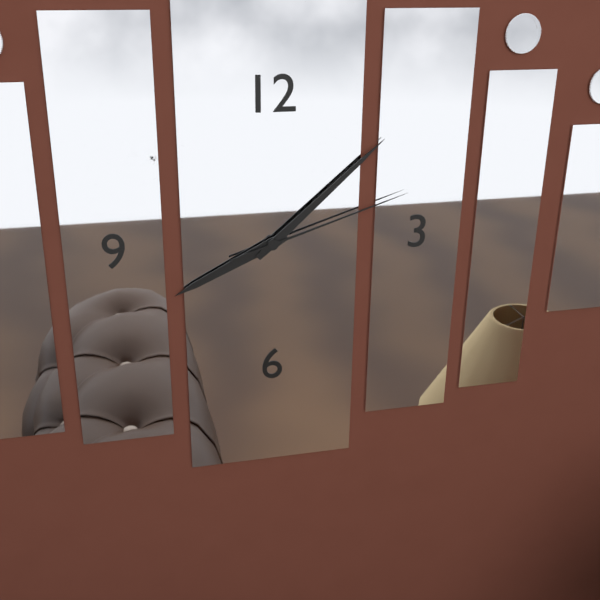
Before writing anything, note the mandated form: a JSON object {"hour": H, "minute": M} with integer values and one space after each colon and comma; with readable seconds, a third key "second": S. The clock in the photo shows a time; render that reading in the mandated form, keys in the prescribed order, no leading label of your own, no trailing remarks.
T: {"hour": 8, "minute": 8, "second": 12}
